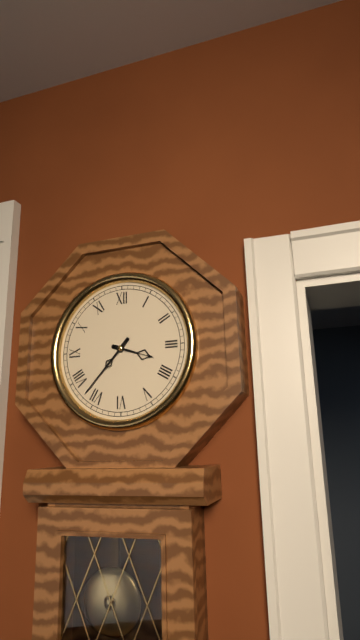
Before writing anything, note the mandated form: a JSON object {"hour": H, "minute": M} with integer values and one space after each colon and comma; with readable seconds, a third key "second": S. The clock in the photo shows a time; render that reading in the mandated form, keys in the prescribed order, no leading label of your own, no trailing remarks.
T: {"hour": 3, "minute": 37}
